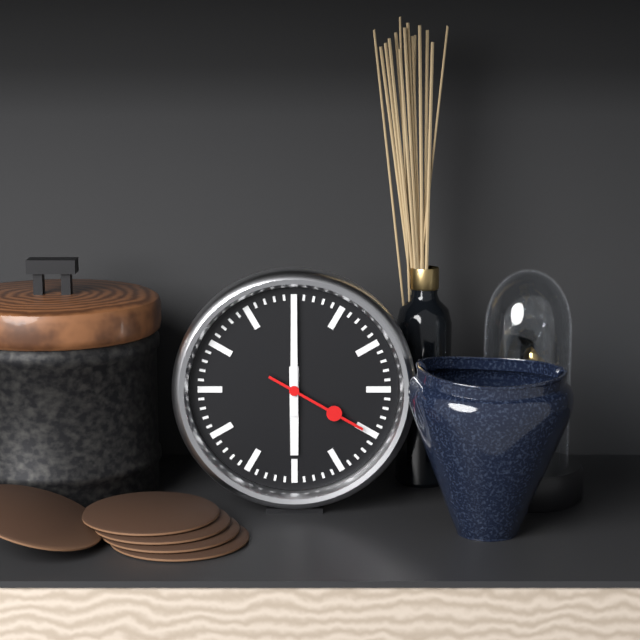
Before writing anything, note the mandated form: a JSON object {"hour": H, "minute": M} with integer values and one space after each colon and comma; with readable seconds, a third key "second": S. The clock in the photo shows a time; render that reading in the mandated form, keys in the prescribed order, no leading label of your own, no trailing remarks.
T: {"hour": 6, "minute": 0, "second": 20}
